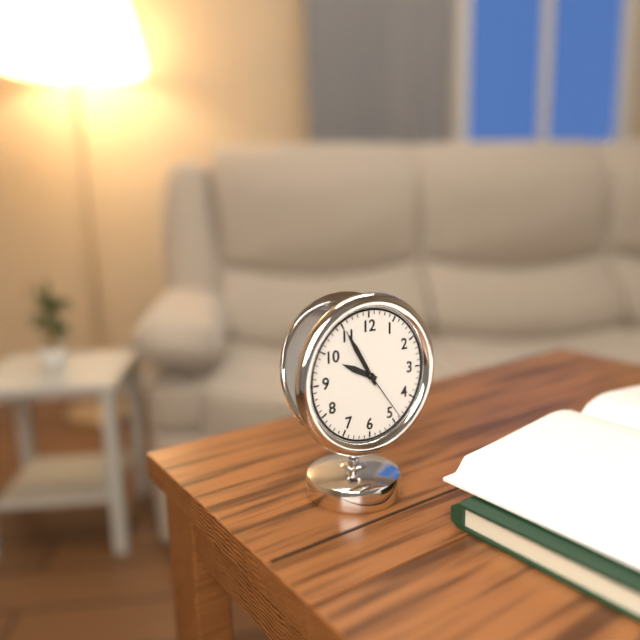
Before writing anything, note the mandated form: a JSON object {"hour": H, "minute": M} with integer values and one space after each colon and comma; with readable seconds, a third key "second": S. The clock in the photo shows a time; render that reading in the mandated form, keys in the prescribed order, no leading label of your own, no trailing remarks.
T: {"hour": 9, "minute": 55, "second": 24}
